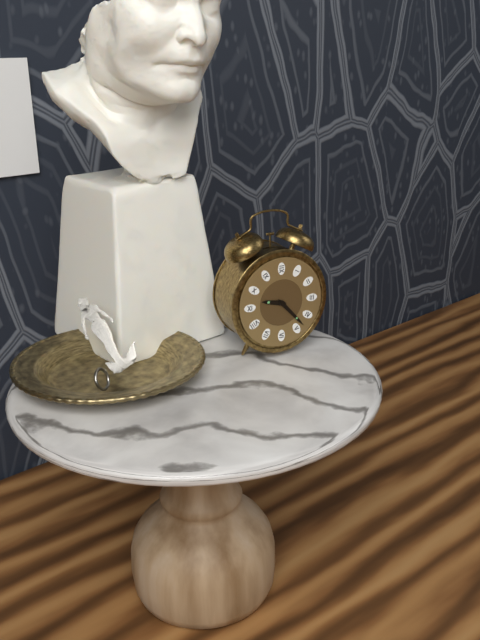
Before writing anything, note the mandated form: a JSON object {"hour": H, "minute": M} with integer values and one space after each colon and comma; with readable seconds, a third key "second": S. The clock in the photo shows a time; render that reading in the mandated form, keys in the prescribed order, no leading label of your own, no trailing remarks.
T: {"hour": 9, "minute": 23}
